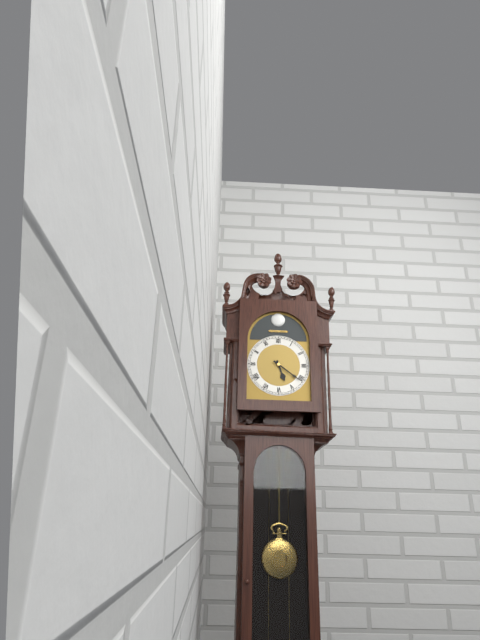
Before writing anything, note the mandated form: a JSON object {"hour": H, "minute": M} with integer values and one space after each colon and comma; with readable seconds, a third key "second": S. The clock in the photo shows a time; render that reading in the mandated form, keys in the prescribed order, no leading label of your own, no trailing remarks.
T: {"hour": 5, "minute": 21}
